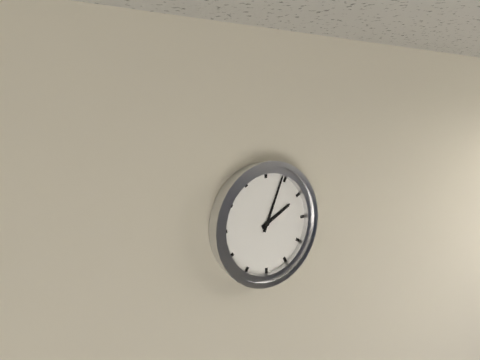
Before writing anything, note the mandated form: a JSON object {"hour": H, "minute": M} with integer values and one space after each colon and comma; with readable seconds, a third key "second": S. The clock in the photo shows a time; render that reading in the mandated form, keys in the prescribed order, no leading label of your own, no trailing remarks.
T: {"hour": 2, "minute": 4}
